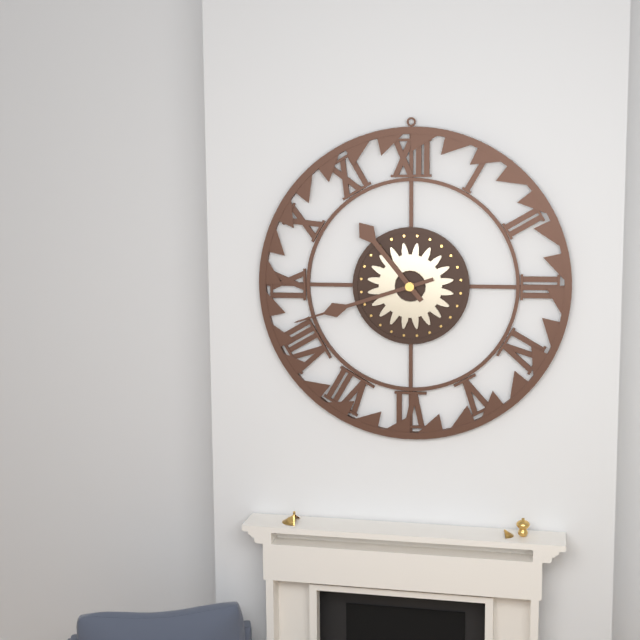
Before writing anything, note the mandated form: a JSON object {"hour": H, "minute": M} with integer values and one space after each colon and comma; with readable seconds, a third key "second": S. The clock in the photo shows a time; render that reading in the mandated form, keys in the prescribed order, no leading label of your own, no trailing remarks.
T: {"hour": 10, "minute": 42}
